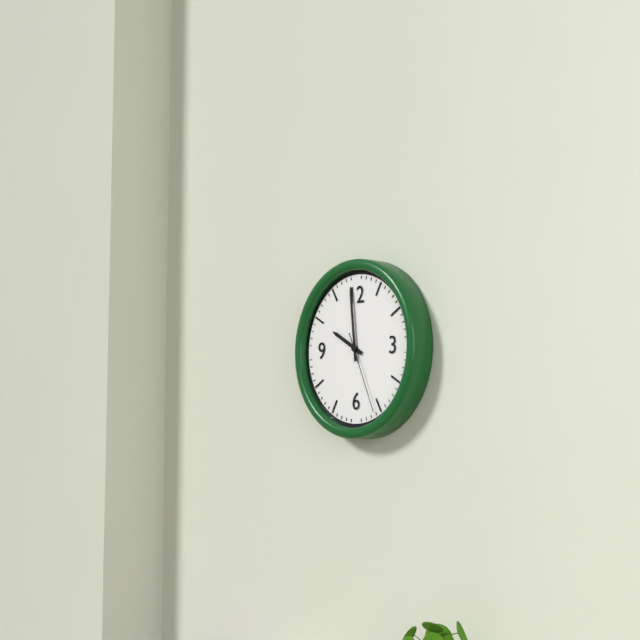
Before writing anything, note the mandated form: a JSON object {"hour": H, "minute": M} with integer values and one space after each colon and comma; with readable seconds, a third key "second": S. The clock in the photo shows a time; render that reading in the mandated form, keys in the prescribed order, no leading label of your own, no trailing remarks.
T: {"hour": 9, "minute": 59, "second": 26}
